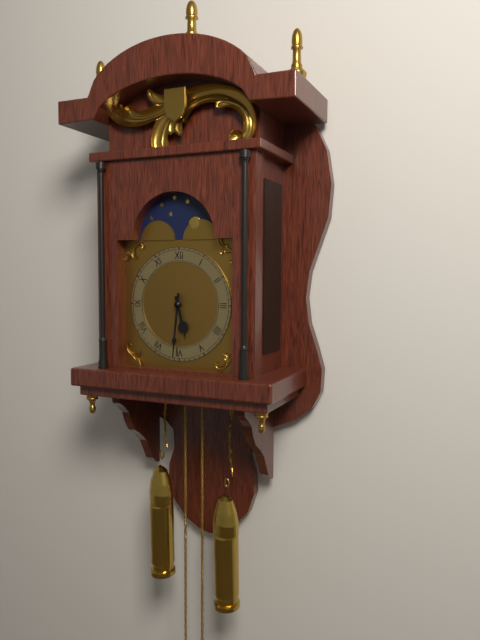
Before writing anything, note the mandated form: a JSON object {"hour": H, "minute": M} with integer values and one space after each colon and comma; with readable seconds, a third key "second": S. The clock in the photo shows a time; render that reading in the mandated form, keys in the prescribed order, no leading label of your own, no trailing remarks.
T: {"hour": 5, "minute": 31}
